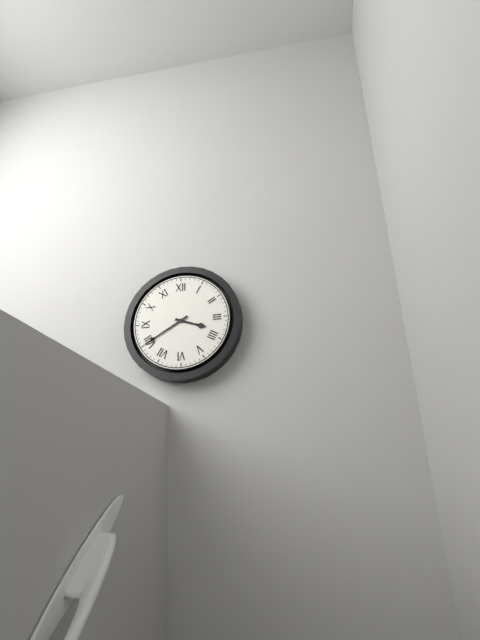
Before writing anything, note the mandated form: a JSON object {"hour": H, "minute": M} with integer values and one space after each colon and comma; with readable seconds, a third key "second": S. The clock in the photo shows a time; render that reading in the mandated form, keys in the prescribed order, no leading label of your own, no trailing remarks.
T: {"hour": 3, "minute": 40}
